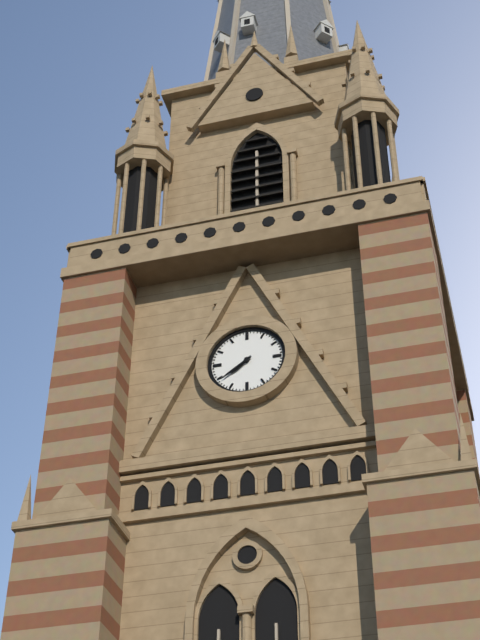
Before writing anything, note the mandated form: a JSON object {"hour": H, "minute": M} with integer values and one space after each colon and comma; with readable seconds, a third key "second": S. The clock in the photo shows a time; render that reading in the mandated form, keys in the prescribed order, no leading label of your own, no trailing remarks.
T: {"hour": 7, "minute": 39}
